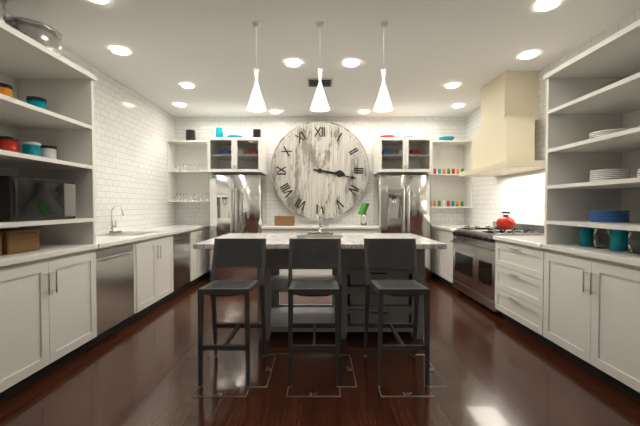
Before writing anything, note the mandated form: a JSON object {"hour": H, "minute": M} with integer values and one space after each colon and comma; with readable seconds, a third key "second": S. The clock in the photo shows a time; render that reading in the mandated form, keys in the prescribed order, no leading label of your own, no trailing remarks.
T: {"hour": 3, "minute": 17}
